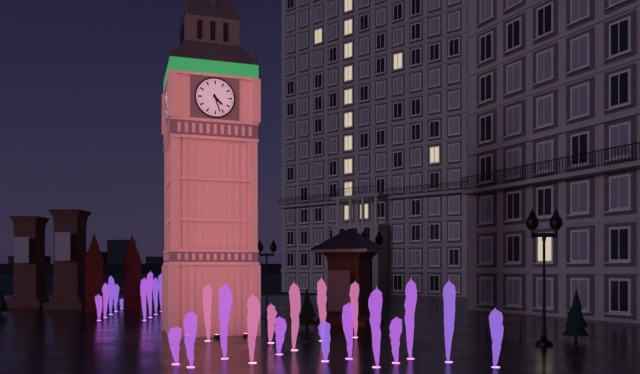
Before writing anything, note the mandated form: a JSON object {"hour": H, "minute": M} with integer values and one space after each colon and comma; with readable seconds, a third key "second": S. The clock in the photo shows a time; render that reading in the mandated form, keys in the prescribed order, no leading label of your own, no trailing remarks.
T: {"hour": 4, "minute": 27}
